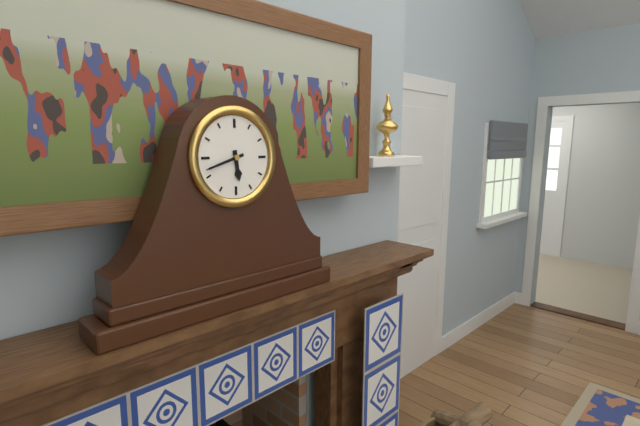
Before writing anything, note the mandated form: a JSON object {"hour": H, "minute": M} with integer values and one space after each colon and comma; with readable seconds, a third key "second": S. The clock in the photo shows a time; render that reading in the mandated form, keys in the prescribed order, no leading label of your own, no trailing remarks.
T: {"hour": 5, "minute": 42}
